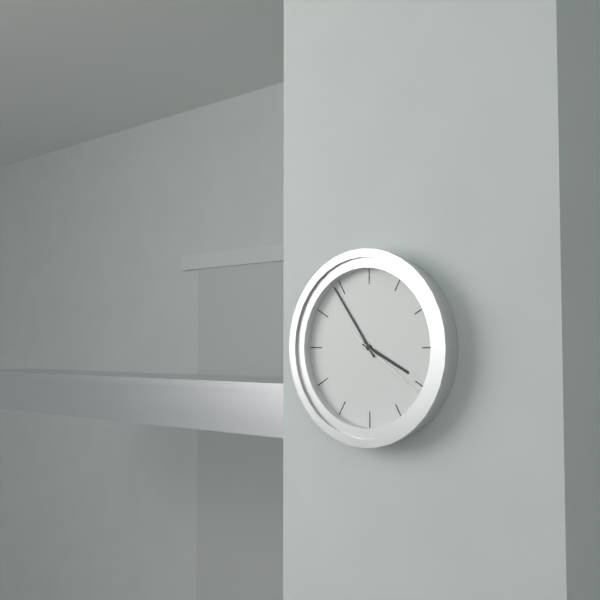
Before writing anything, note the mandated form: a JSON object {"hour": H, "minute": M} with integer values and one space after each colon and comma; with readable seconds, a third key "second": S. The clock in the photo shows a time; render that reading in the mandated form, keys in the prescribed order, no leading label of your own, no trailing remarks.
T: {"hour": 3, "minute": 54, "second": 21}
